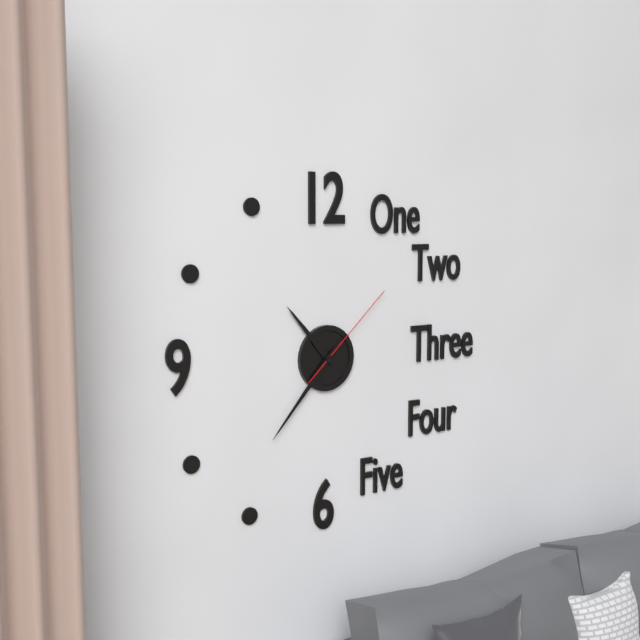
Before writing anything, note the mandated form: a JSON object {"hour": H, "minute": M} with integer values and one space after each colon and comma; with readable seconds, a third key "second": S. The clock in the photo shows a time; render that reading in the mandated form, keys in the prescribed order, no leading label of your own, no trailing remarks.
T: {"hour": 10, "minute": 37, "second": 8}
